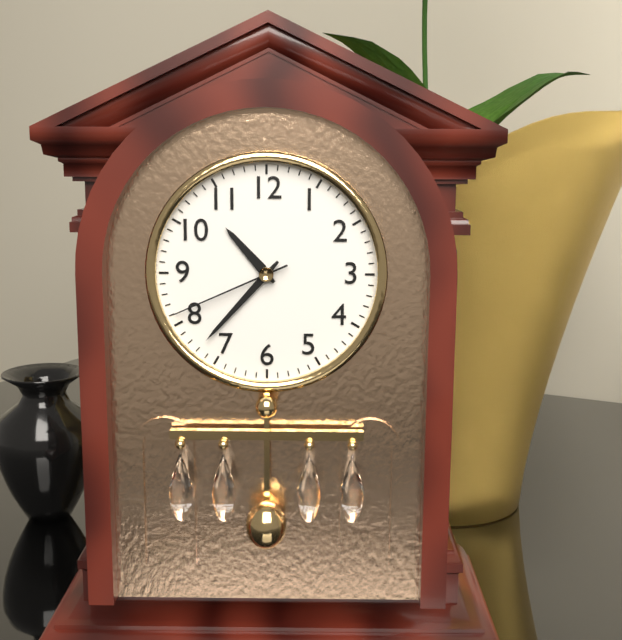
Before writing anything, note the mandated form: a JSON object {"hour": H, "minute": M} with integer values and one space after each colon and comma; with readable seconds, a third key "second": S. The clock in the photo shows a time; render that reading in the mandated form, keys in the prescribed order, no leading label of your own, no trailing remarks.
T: {"hour": 10, "minute": 37, "second": 41}
